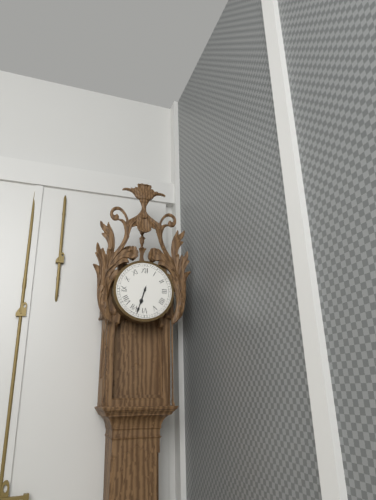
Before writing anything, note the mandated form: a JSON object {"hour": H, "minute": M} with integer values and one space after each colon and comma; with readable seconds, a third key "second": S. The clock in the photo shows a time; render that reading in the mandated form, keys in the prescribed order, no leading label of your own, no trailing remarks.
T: {"hour": 6, "minute": 33}
